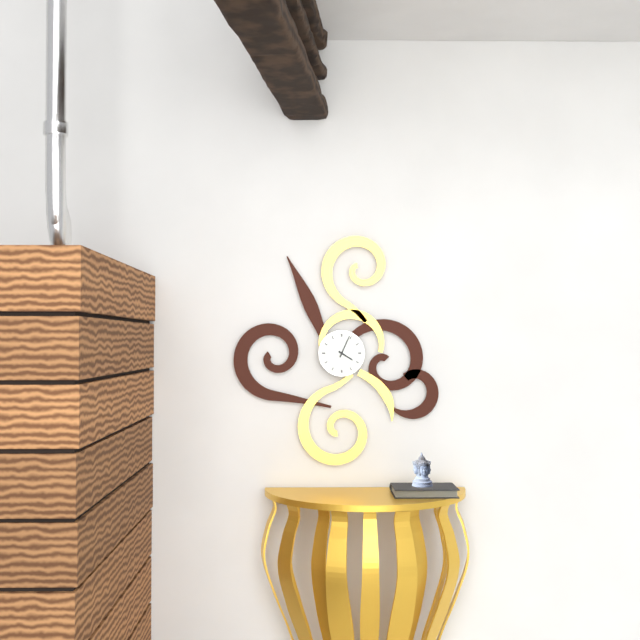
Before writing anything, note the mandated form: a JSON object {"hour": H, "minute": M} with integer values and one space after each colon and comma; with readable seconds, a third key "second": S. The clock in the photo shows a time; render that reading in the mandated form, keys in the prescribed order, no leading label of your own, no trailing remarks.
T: {"hour": 4, "minute": 4}
